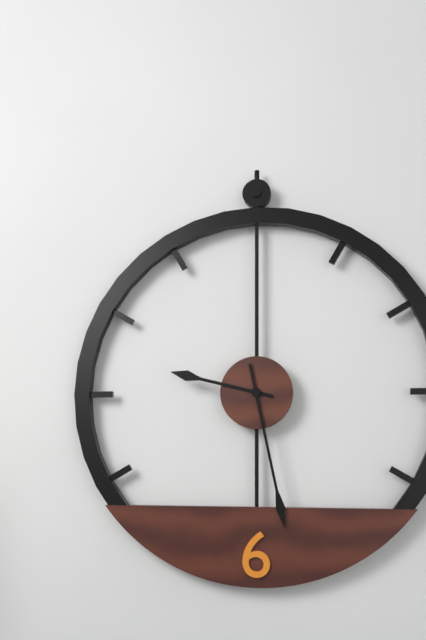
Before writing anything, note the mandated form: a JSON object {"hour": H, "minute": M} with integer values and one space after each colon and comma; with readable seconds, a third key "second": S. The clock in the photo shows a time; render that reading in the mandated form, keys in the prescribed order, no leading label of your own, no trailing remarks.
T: {"hour": 9, "minute": 28}
